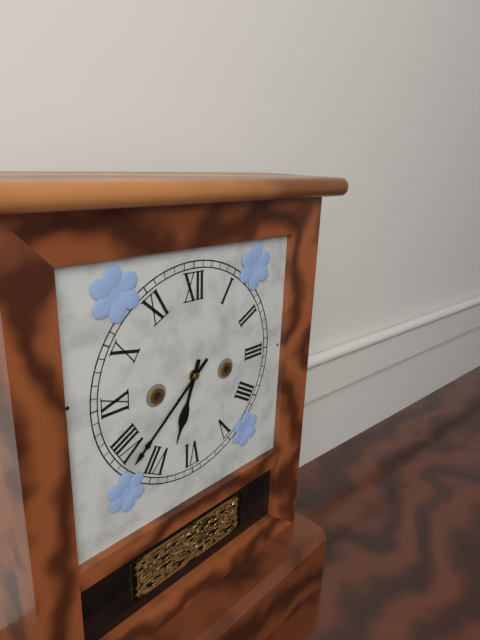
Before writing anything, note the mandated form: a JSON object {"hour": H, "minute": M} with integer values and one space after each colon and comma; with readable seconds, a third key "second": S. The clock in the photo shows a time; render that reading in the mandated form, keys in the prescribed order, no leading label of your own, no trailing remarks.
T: {"hour": 6, "minute": 38}
